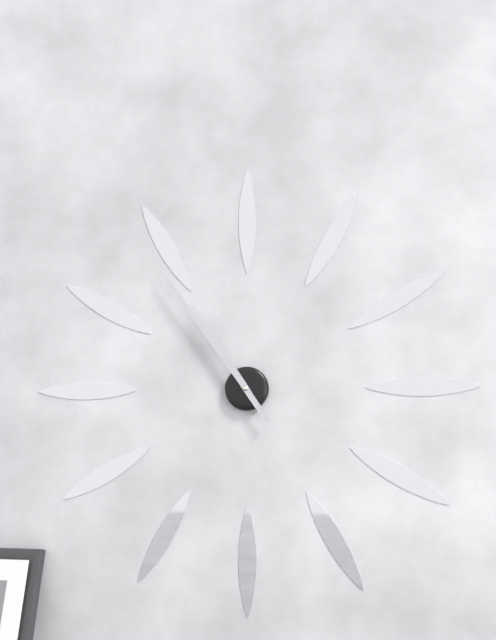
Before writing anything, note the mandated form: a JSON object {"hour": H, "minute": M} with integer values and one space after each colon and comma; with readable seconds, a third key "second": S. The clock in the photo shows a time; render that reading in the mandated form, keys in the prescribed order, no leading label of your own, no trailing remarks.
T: {"hour": 10, "minute": 54}
